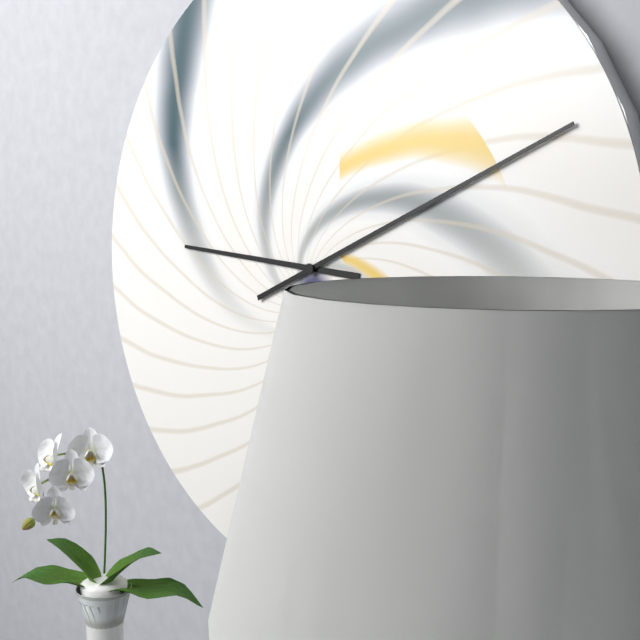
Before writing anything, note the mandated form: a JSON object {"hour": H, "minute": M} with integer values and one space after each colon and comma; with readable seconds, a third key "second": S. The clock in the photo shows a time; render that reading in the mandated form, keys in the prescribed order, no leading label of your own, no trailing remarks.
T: {"hour": 9, "minute": 11}
